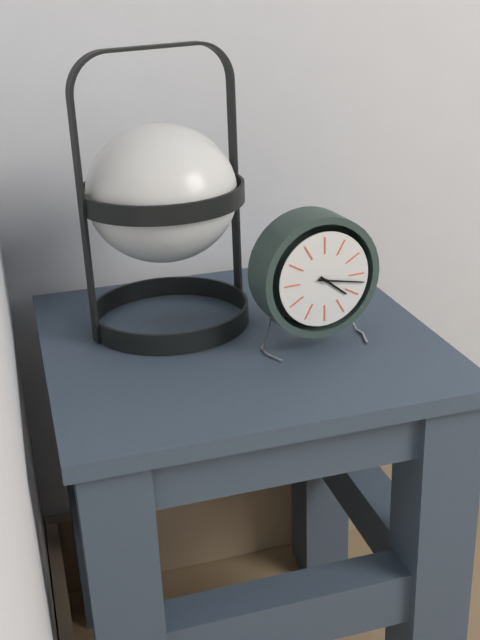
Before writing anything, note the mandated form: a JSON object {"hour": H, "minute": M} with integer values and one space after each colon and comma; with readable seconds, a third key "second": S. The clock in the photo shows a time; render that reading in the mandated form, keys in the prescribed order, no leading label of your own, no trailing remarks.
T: {"hour": 4, "minute": 17}
